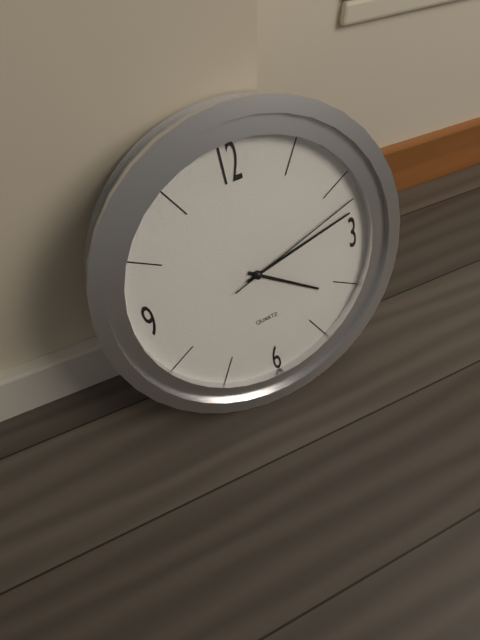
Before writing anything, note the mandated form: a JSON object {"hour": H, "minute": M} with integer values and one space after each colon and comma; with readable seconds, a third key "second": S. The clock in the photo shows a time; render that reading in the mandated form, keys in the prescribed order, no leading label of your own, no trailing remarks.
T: {"hour": 4, "minute": 13, "second": 12}
